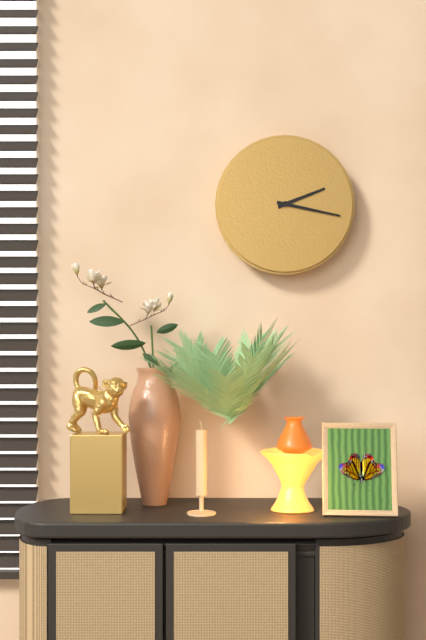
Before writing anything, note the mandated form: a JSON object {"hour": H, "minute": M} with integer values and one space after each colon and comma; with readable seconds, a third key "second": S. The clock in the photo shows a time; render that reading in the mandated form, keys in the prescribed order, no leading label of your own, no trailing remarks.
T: {"hour": 2, "minute": 17}
